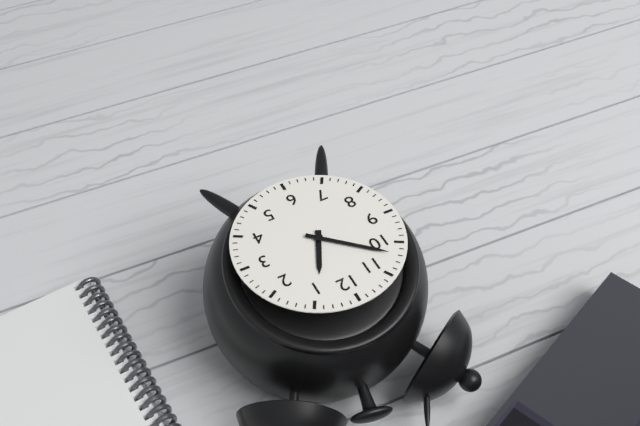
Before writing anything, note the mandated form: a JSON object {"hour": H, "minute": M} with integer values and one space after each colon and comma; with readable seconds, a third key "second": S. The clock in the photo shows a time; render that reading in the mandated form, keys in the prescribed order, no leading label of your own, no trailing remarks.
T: {"hour": 12, "minute": 52}
